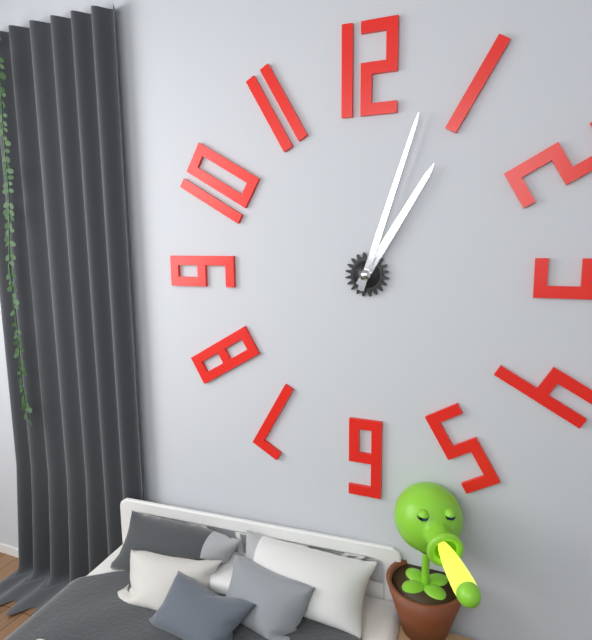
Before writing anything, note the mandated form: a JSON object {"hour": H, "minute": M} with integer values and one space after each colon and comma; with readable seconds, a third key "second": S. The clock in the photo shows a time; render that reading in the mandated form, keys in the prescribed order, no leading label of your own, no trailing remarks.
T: {"hour": 1, "minute": 3}
